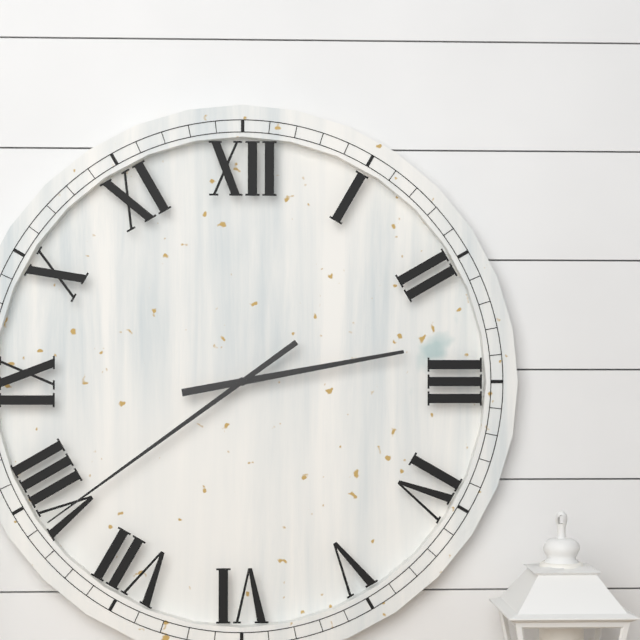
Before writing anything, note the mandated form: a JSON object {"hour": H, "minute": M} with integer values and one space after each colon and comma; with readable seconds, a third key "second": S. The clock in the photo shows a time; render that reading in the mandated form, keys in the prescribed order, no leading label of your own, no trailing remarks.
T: {"hour": 2, "minute": 39}
